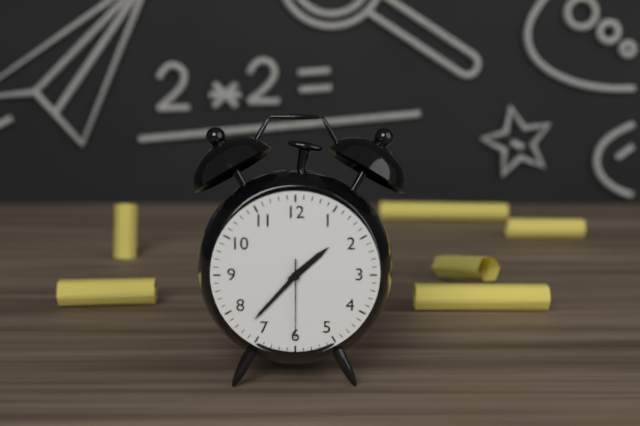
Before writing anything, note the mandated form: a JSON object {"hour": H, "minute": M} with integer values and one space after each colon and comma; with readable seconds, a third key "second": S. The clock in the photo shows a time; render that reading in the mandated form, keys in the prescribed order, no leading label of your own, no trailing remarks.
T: {"hour": 1, "minute": 37, "second": 30}
